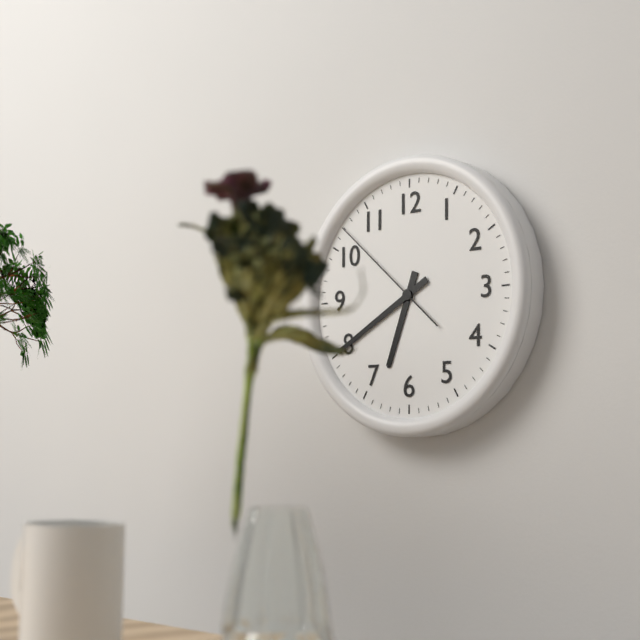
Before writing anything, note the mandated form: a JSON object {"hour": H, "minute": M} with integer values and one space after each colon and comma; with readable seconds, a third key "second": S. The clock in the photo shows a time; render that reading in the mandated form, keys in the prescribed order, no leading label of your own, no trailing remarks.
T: {"hour": 6, "minute": 40, "second": 52}
